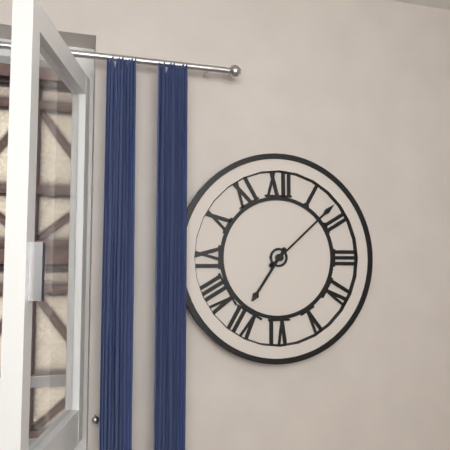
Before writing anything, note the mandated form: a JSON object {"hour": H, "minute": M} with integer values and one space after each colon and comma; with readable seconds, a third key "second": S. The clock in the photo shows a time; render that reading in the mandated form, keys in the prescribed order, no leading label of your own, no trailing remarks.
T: {"hour": 7, "minute": 8}
